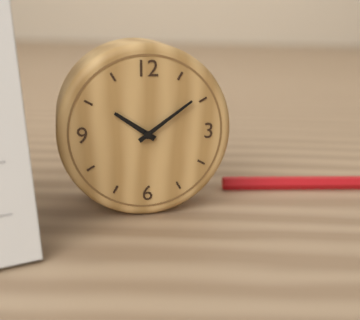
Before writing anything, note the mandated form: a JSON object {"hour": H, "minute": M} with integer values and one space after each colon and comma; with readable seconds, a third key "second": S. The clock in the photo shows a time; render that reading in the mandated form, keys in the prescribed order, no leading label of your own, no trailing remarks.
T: {"hour": 10, "minute": 9}
